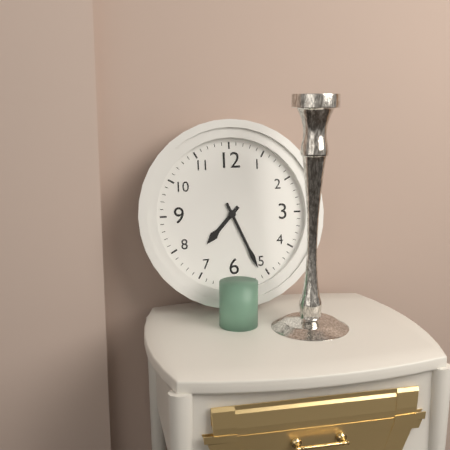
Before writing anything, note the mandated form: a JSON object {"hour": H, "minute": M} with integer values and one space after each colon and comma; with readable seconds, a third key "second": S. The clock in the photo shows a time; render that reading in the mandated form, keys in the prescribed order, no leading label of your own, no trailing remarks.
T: {"hour": 7, "minute": 26}
